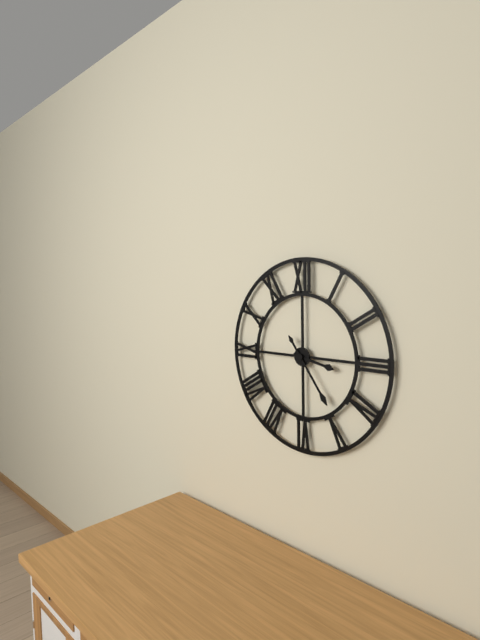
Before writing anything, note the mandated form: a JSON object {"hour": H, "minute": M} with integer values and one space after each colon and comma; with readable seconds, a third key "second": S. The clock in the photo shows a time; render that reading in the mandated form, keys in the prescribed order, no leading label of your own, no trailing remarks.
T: {"hour": 3, "minute": 24}
